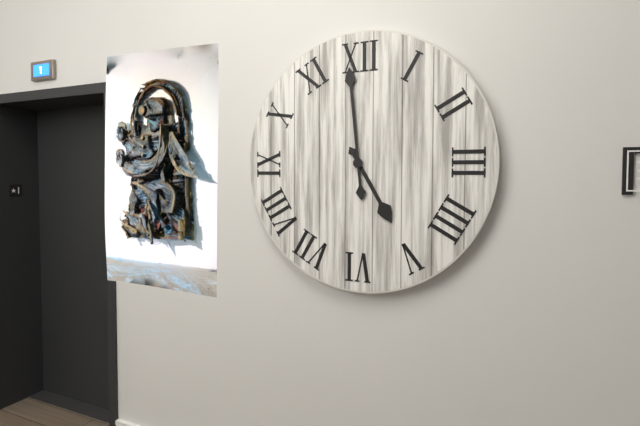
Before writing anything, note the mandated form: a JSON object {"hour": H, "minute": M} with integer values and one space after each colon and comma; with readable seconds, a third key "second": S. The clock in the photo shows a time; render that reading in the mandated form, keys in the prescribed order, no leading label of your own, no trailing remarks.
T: {"hour": 4, "minute": 59}
